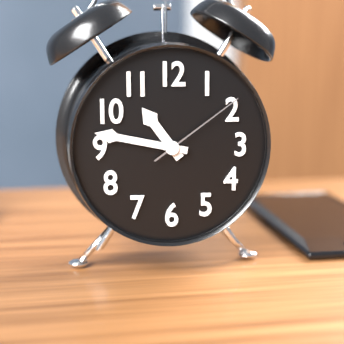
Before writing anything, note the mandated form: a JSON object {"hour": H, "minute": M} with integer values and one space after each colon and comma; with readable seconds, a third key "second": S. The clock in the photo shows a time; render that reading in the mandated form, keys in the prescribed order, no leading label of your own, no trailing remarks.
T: {"hour": 10, "minute": 47, "second": 9}
